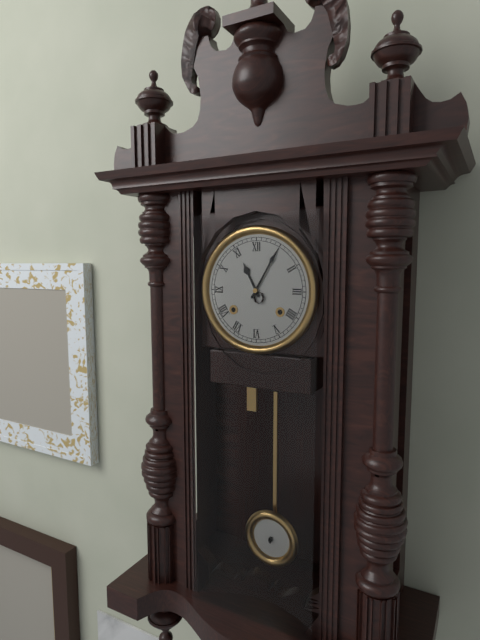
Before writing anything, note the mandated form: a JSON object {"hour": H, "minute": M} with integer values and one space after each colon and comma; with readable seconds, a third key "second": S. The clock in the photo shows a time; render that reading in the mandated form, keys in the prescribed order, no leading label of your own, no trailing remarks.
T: {"hour": 11, "minute": 5}
